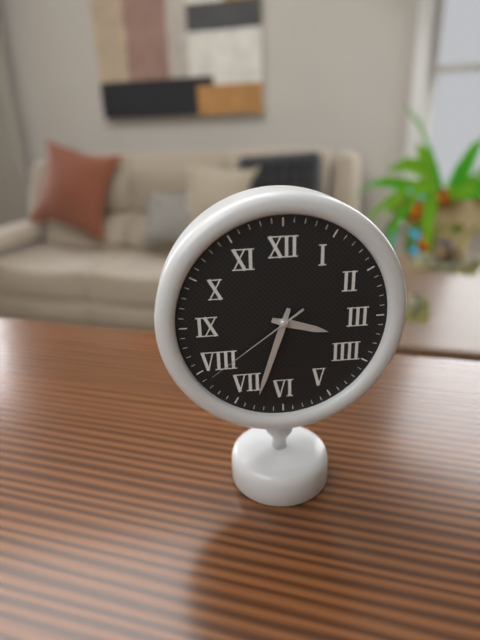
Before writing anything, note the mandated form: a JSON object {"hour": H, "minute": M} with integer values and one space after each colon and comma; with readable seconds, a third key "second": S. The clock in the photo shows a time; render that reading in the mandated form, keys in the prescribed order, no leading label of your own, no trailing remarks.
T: {"hour": 3, "minute": 33, "second": 39}
